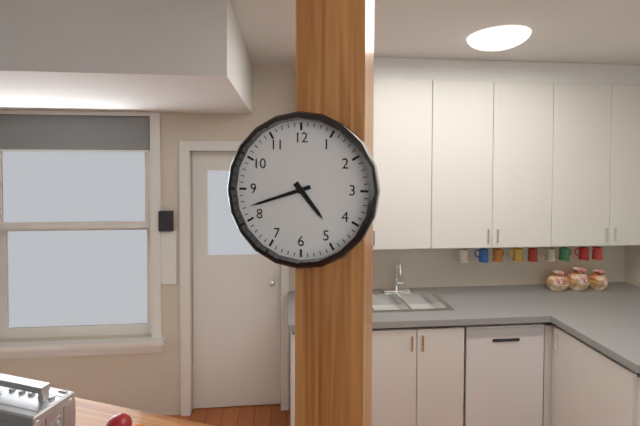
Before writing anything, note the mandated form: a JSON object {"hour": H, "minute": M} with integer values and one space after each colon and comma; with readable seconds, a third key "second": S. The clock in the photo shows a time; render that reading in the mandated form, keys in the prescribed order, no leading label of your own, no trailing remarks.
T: {"hour": 4, "minute": 42}
